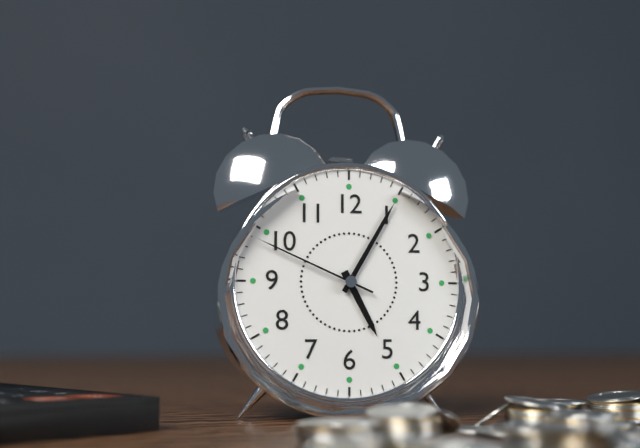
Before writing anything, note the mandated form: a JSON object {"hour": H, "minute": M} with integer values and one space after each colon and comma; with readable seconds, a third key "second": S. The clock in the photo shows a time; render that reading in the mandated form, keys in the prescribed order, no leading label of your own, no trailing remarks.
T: {"hour": 5, "minute": 5, "second": 49}
